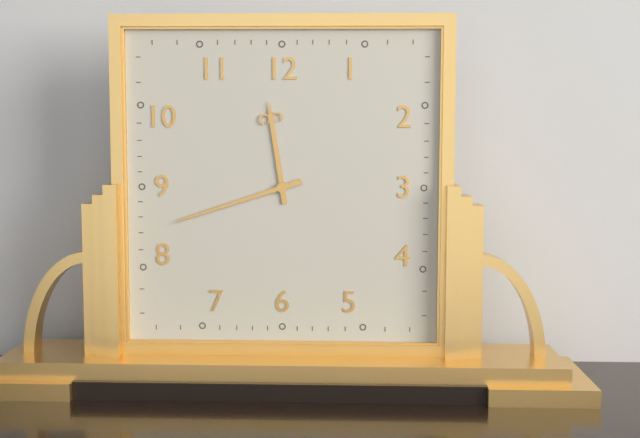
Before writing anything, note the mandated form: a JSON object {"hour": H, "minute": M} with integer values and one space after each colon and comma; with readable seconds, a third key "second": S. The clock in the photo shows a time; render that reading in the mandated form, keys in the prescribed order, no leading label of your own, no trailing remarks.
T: {"hour": 11, "minute": 42}
